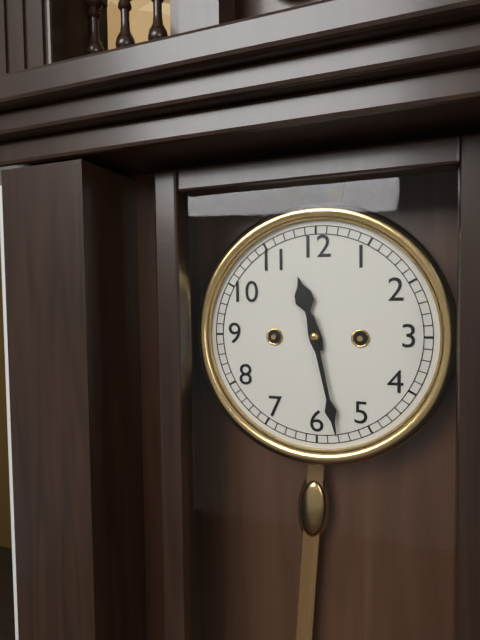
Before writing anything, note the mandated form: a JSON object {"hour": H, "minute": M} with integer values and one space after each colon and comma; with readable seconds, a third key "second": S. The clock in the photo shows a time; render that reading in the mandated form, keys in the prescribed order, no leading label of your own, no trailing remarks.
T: {"hour": 11, "minute": 28}
